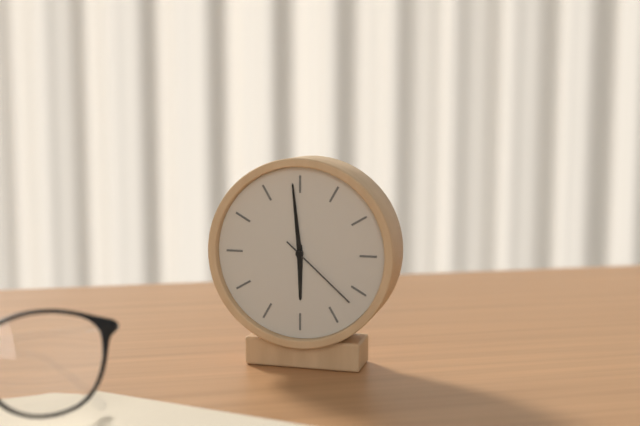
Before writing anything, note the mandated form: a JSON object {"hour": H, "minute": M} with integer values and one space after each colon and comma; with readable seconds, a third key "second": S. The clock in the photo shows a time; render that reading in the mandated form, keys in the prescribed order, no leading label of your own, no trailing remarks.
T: {"hour": 5, "minute": 59, "second": 22}
